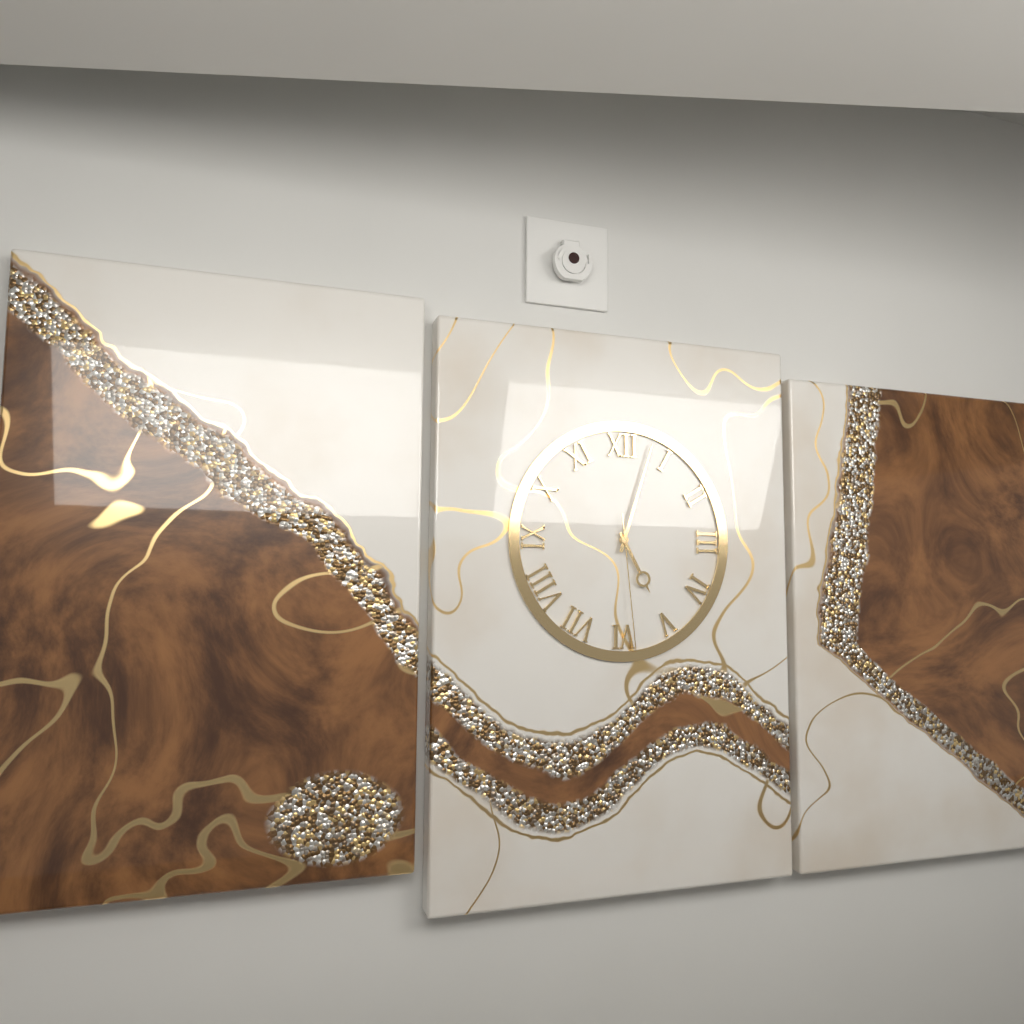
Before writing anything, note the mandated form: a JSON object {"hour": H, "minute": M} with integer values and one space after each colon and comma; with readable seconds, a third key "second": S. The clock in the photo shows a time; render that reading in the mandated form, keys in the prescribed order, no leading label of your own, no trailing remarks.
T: {"hour": 5, "minute": 3, "second": 29}
